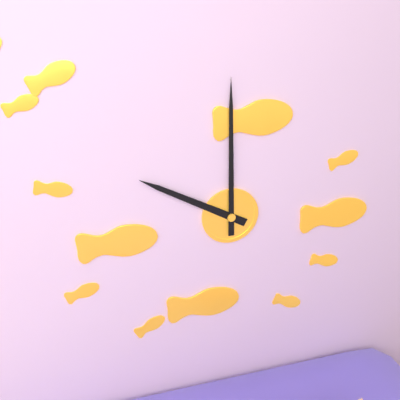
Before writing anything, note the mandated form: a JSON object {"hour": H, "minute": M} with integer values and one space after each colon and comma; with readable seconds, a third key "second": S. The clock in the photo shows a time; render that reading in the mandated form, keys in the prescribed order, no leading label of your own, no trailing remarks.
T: {"hour": 10, "minute": 0}
